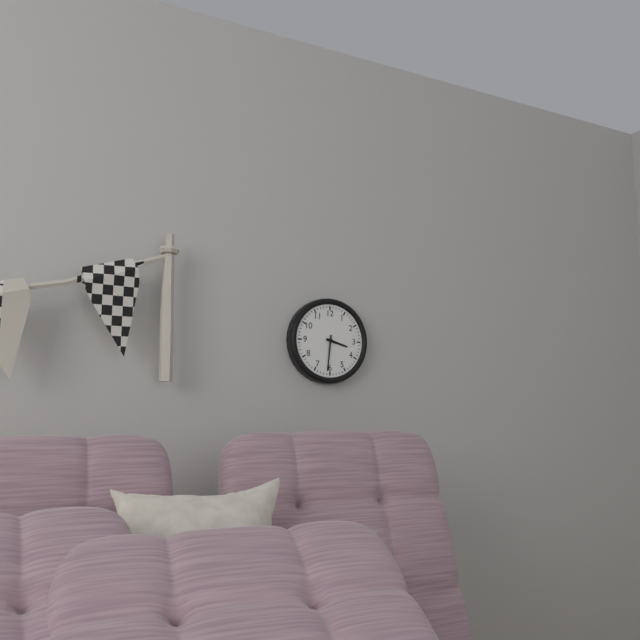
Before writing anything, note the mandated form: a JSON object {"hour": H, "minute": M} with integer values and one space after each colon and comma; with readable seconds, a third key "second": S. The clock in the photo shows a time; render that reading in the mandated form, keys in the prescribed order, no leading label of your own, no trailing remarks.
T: {"hour": 3, "minute": 31}
